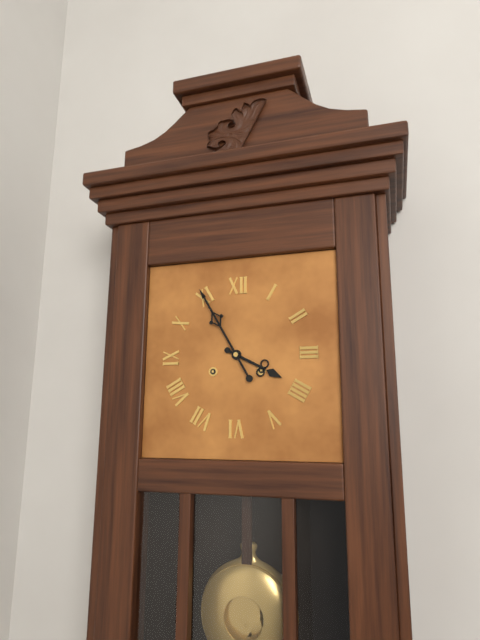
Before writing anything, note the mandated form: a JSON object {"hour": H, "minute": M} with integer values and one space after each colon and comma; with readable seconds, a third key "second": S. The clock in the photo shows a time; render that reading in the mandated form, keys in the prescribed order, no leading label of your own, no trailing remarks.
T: {"hour": 3, "minute": 55}
